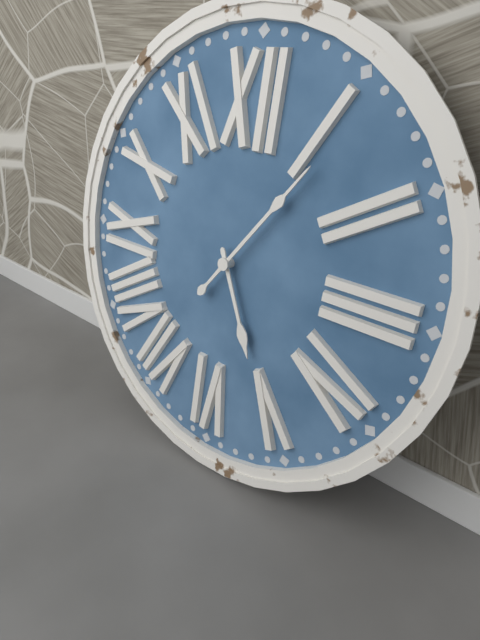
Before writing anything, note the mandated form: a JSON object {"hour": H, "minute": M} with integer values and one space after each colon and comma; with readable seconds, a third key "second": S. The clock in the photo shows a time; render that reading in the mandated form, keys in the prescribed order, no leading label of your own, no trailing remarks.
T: {"hour": 5, "minute": 6}
